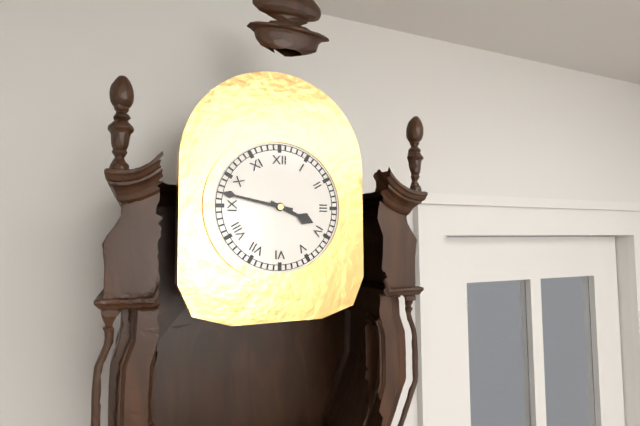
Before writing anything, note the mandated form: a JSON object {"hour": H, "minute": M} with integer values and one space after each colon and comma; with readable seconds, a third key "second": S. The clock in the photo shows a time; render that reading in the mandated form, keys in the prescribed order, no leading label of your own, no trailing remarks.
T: {"hour": 3, "minute": 47}
